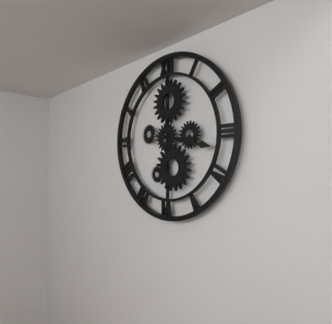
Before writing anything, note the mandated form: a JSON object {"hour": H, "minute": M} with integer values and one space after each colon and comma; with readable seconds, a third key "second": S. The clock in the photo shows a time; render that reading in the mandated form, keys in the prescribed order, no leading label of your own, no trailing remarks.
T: {"hour": 3, "minute": 17}
